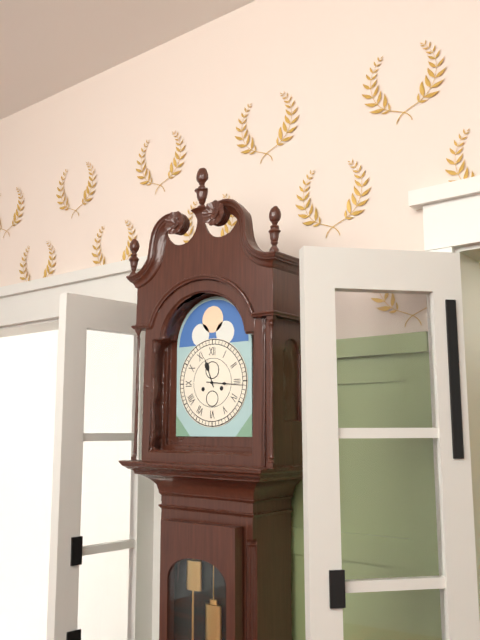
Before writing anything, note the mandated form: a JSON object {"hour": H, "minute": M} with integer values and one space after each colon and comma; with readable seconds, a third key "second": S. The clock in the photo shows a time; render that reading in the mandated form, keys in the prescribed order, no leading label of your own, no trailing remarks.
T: {"hour": 11, "minute": 16}
